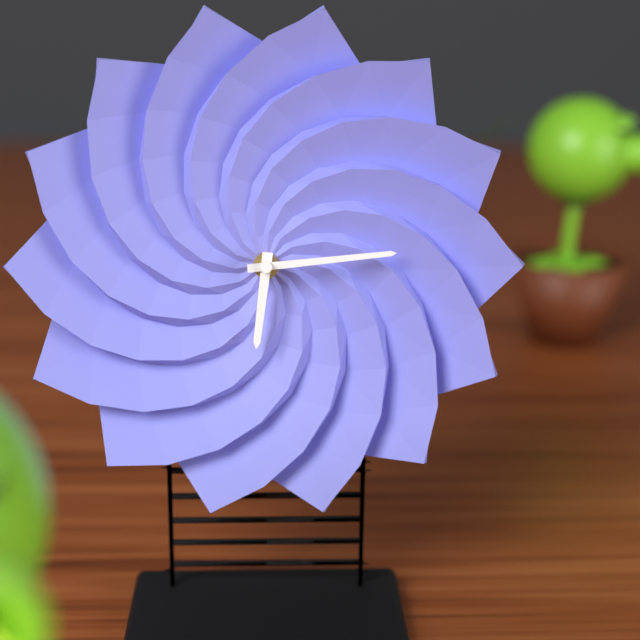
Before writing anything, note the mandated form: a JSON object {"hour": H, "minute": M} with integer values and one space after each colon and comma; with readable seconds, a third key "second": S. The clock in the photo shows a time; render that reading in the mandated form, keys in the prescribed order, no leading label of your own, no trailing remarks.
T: {"hour": 6, "minute": 14}
